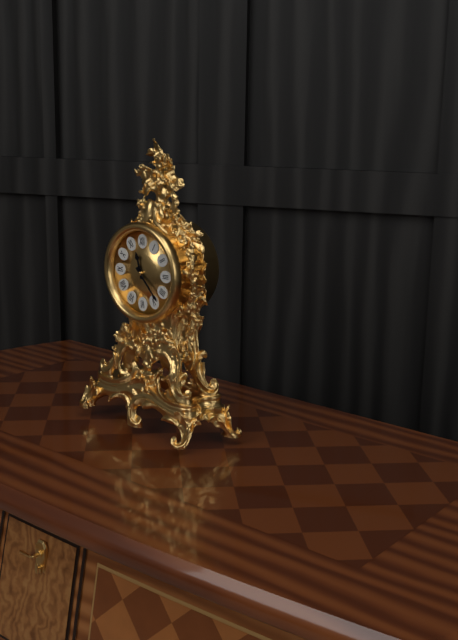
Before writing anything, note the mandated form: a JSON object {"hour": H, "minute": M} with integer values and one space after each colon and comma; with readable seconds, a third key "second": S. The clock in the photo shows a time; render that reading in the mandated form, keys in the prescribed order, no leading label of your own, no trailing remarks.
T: {"hour": 11, "minute": 23}
